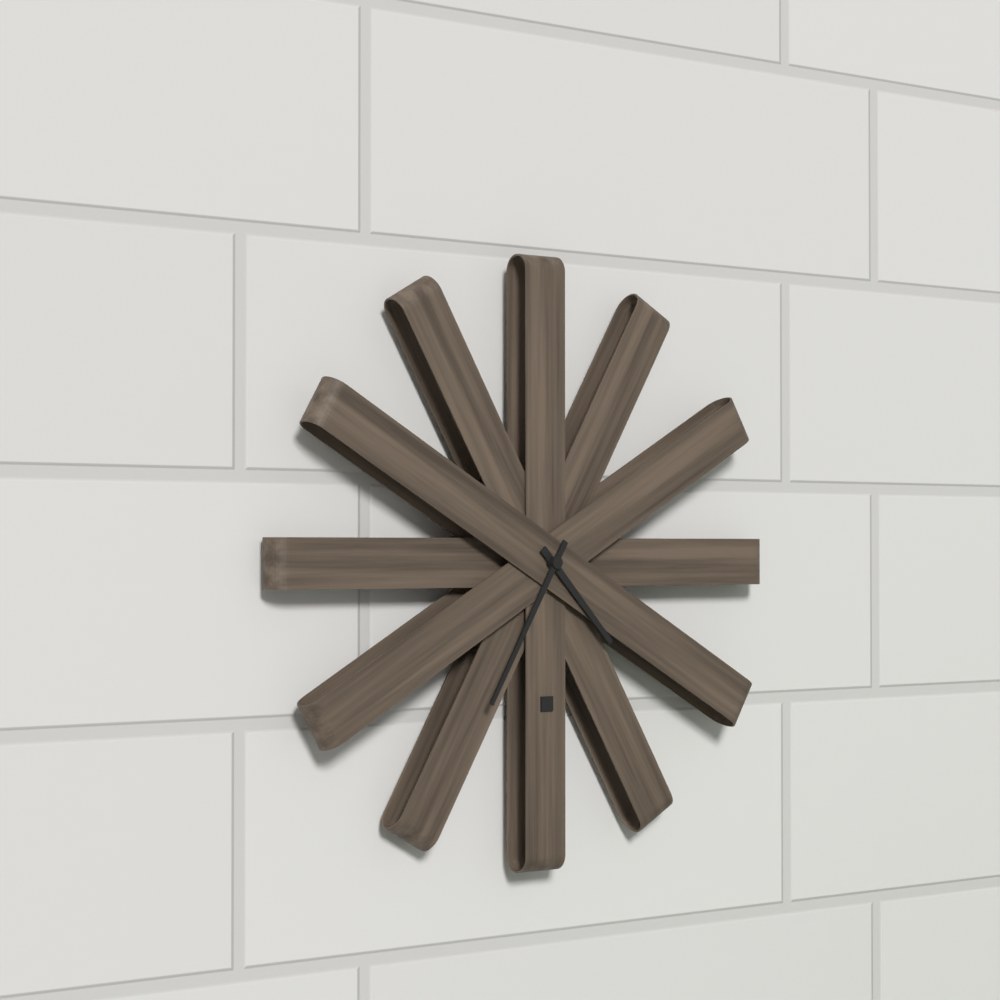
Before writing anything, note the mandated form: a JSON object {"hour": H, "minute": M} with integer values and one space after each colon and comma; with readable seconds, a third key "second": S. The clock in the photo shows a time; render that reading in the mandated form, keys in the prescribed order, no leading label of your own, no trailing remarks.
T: {"hour": 4, "minute": 35}
